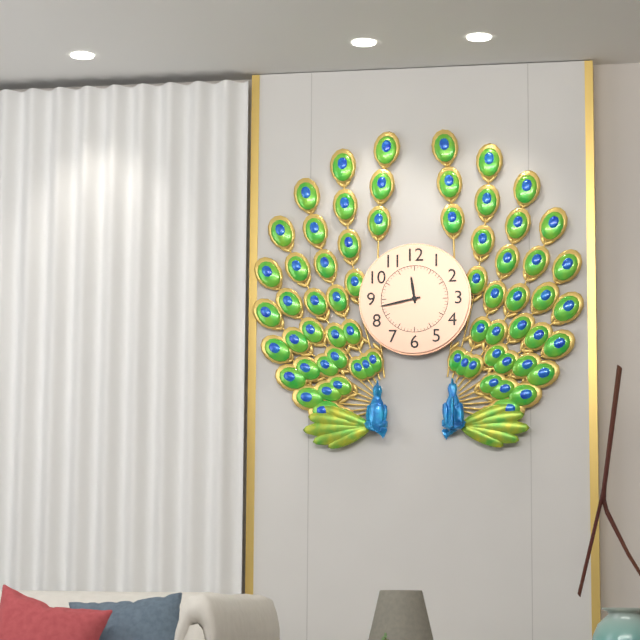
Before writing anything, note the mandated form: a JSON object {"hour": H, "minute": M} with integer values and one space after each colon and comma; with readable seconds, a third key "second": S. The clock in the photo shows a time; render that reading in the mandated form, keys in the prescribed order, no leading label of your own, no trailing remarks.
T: {"hour": 11, "minute": 43}
